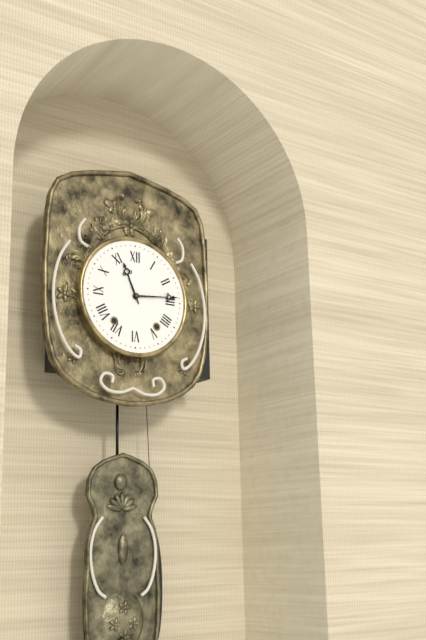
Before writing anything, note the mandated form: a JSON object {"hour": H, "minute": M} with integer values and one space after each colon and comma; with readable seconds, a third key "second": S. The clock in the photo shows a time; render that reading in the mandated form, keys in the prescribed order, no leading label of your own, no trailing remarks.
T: {"hour": 11, "minute": 14}
